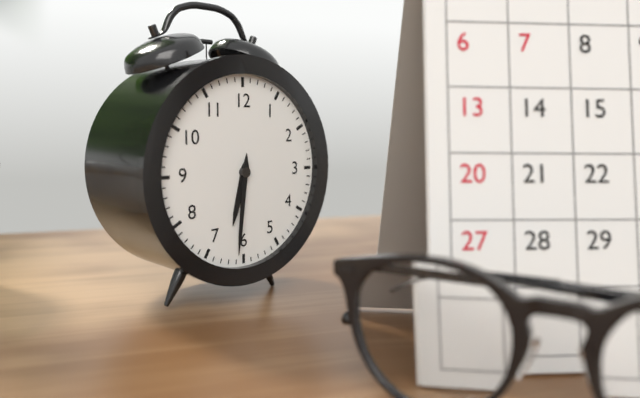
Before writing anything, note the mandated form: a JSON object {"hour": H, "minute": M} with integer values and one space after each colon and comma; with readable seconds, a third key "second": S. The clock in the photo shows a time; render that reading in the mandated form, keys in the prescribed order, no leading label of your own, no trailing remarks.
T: {"hour": 6, "minute": 31}
